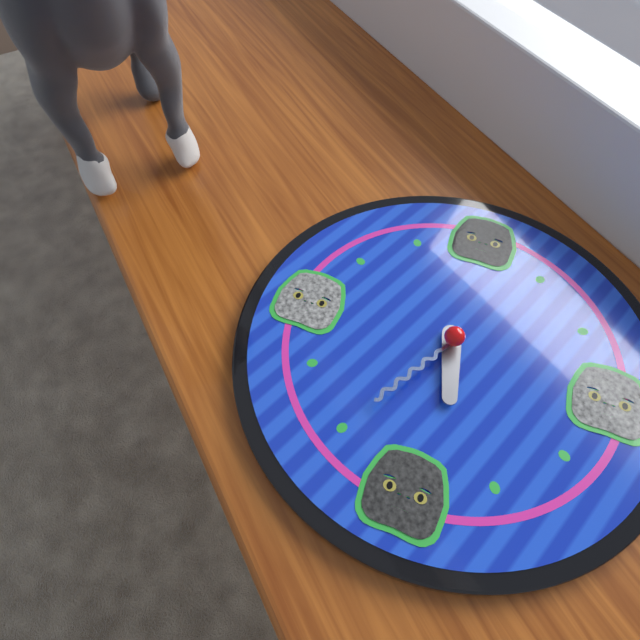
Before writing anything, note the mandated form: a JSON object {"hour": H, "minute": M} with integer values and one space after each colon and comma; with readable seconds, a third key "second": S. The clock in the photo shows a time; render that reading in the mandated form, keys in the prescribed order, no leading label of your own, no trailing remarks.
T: {"hour": 5, "minute": 35}
